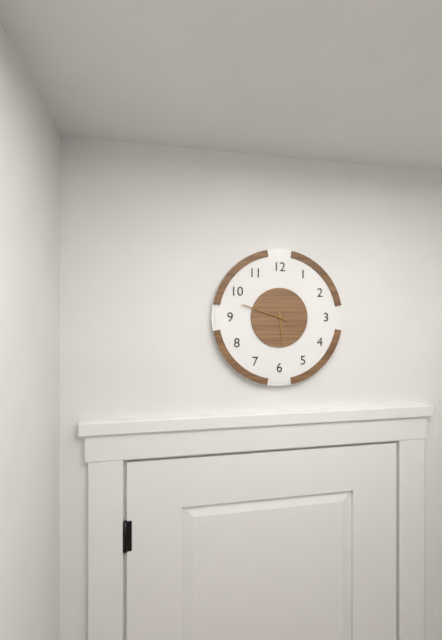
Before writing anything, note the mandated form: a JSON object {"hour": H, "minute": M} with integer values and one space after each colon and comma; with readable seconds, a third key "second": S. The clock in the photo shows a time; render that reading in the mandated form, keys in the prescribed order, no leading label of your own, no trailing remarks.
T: {"hour": 5, "minute": 48}
